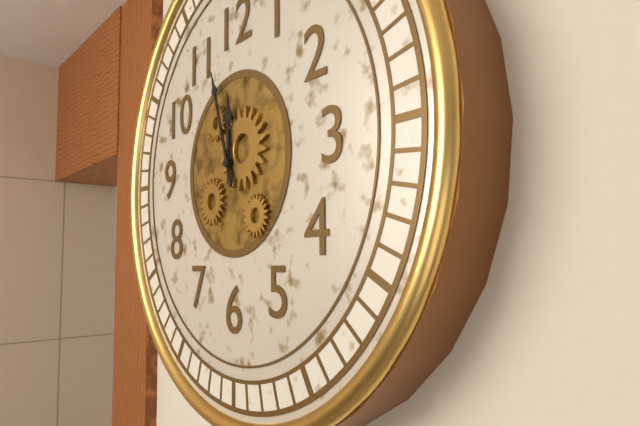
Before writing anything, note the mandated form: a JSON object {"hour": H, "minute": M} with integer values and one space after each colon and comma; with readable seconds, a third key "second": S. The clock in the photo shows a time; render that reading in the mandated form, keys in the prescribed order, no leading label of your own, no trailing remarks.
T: {"hour": 11, "minute": 57}
